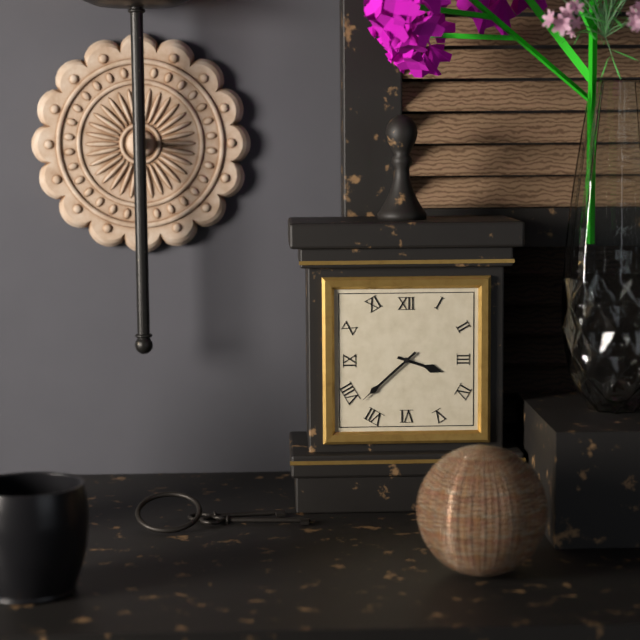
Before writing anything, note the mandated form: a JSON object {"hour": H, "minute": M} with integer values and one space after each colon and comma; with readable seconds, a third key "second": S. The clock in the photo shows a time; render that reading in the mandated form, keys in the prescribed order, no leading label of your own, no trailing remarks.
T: {"hour": 3, "minute": 38}
